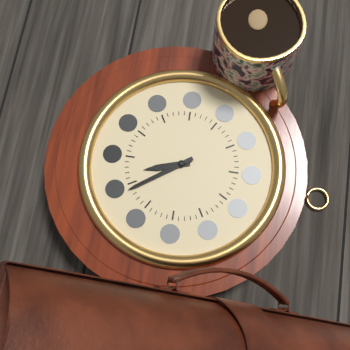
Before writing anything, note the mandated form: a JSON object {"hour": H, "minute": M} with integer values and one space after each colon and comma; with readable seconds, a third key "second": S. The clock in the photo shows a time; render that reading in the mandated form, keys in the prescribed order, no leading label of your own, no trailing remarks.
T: {"hour": 5, "minute": 24}
